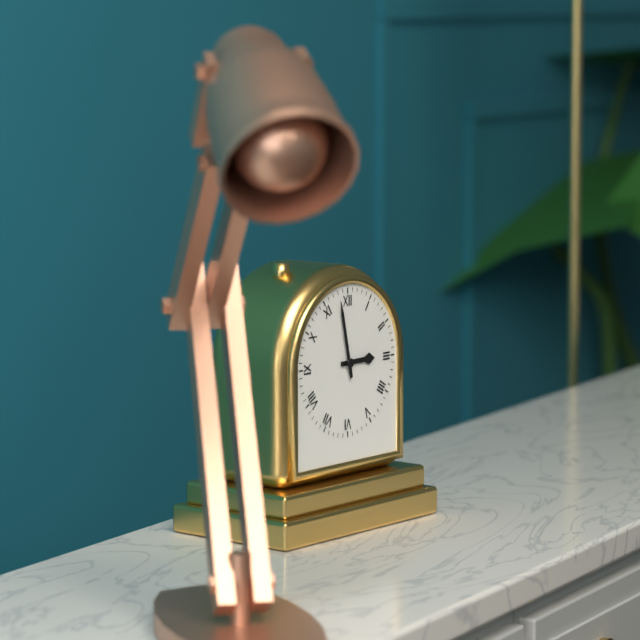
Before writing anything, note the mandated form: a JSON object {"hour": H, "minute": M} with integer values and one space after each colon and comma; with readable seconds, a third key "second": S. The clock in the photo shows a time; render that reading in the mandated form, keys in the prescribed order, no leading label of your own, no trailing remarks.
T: {"hour": 2, "minute": 58}
